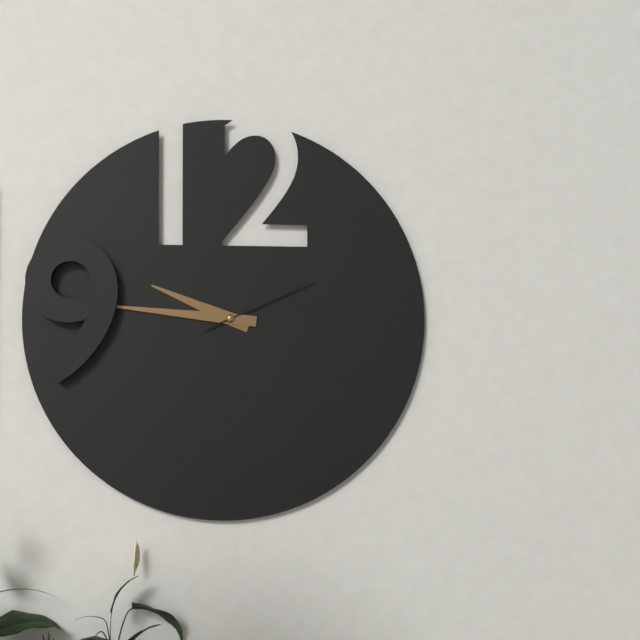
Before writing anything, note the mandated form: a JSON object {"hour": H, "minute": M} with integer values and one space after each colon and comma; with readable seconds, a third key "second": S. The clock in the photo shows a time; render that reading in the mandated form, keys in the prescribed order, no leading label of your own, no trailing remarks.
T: {"hour": 9, "minute": 46, "second": 11}
